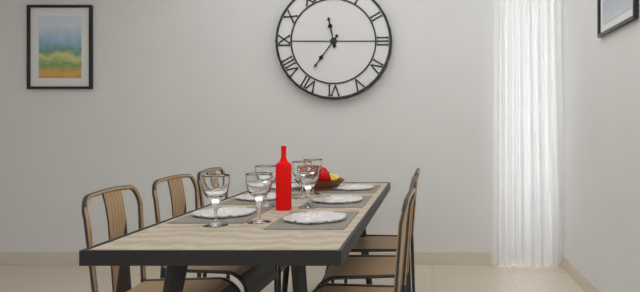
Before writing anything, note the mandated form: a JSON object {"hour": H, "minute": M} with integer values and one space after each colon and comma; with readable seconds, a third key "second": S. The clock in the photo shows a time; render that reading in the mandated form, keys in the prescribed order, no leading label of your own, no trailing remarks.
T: {"hour": 11, "minute": 36}
